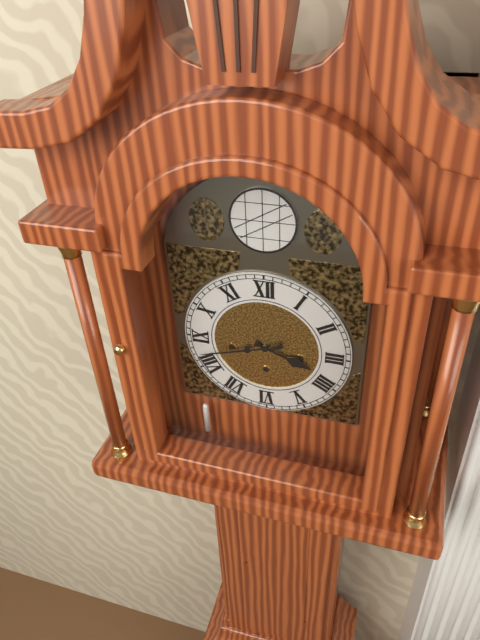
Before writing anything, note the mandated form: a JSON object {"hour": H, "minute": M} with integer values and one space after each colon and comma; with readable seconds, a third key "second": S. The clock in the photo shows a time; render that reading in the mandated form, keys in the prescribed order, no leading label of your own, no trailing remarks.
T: {"hour": 3, "minute": 42}
